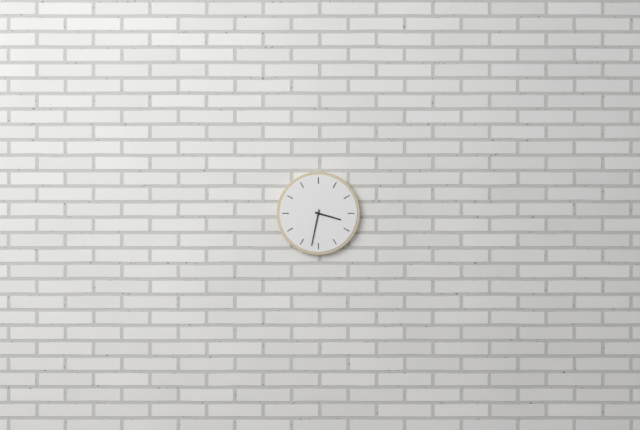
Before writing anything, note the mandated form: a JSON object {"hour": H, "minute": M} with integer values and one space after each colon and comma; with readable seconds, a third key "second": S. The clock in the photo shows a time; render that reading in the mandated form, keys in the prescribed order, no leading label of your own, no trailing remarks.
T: {"hour": 3, "minute": 32}
